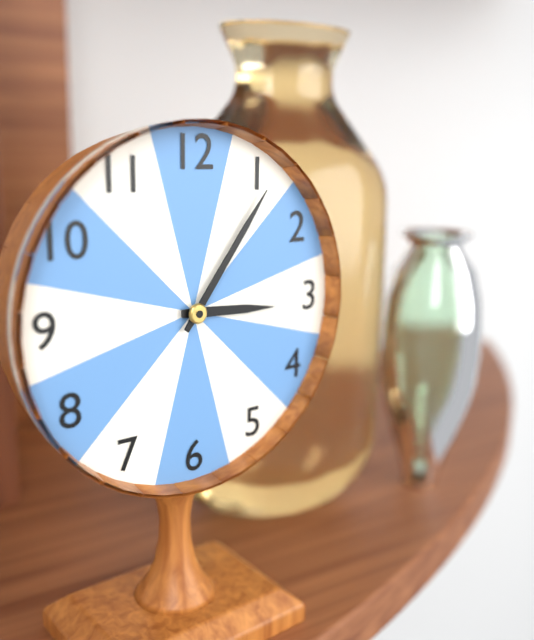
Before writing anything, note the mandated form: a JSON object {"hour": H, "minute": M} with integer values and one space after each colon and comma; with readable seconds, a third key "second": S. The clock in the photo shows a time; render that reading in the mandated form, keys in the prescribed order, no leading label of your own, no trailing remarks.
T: {"hour": 3, "minute": 6}
